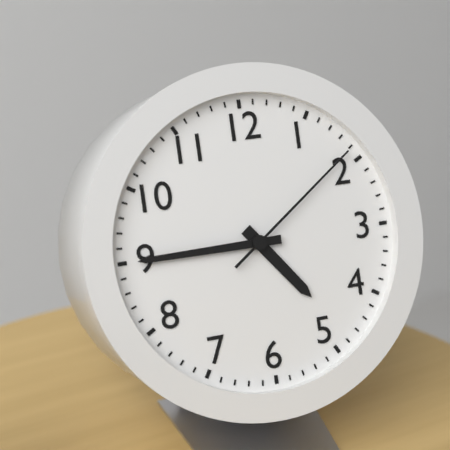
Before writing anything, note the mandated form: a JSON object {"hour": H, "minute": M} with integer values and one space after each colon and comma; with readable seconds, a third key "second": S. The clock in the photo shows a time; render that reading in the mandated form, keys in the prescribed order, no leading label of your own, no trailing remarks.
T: {"hour": 4, "minute": 45, "second": 9}
